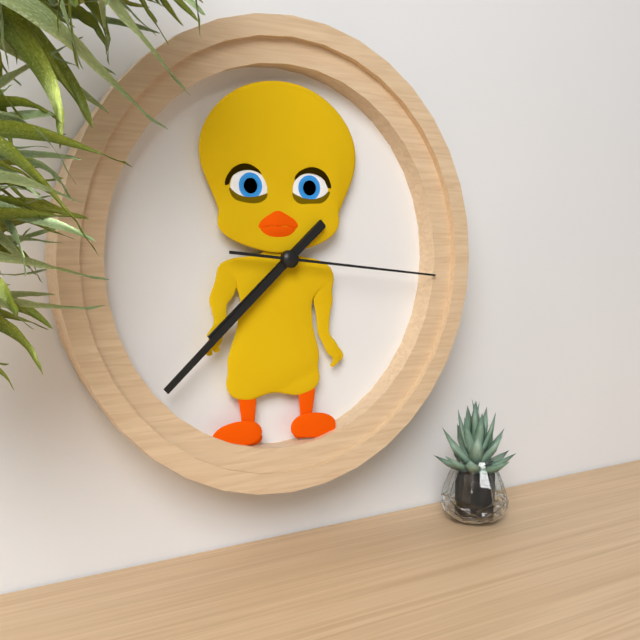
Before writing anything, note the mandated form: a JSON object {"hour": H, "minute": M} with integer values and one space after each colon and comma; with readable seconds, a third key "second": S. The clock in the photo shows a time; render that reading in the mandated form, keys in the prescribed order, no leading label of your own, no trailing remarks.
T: {"hour": 7, "minute": 38, "second": 16}
